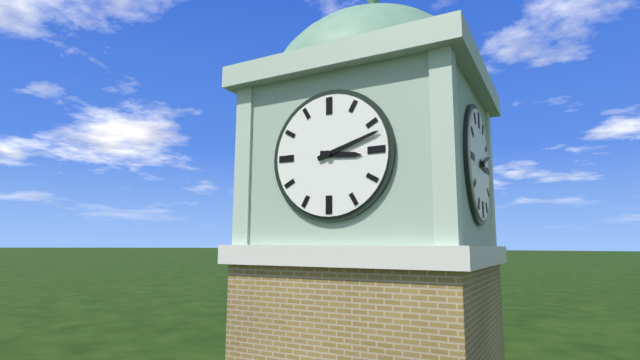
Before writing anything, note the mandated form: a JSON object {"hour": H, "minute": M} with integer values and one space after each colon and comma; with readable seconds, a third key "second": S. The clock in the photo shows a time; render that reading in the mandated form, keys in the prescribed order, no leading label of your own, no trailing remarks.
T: {"hour": 3, "minute": 12}
